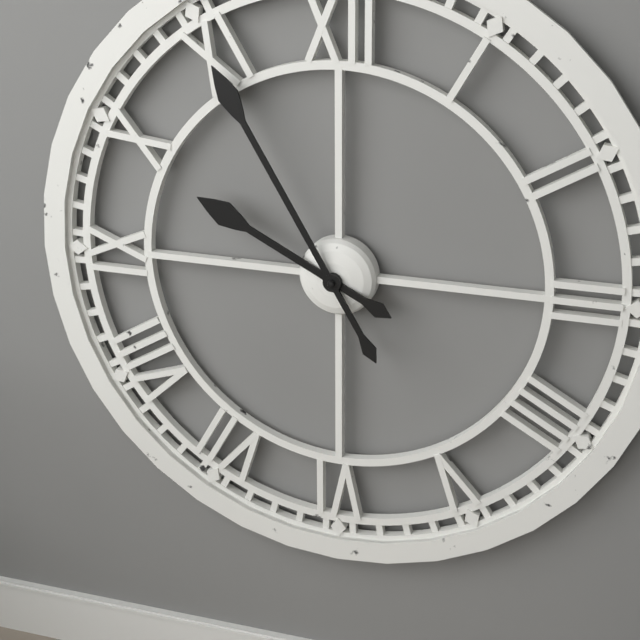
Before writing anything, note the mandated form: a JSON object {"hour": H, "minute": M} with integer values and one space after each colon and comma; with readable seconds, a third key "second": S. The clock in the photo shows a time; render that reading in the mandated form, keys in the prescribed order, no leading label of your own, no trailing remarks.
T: {"hour": 9, "minute": 55}
